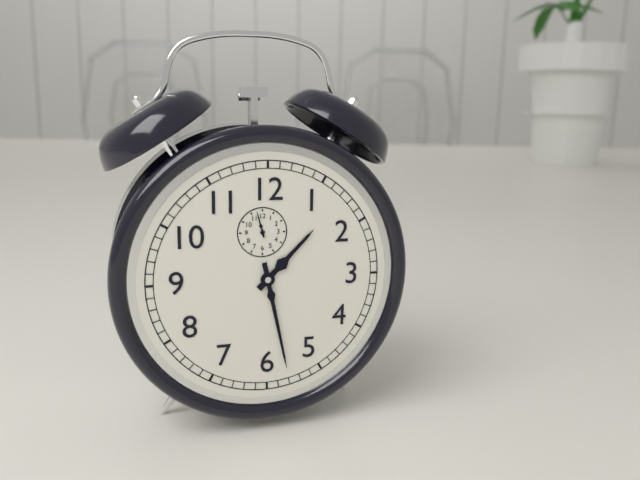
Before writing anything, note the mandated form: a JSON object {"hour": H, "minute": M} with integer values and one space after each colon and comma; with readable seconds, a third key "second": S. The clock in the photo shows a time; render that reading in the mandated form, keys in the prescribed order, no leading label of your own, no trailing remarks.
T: {"hour": 1, "minute": 28}
